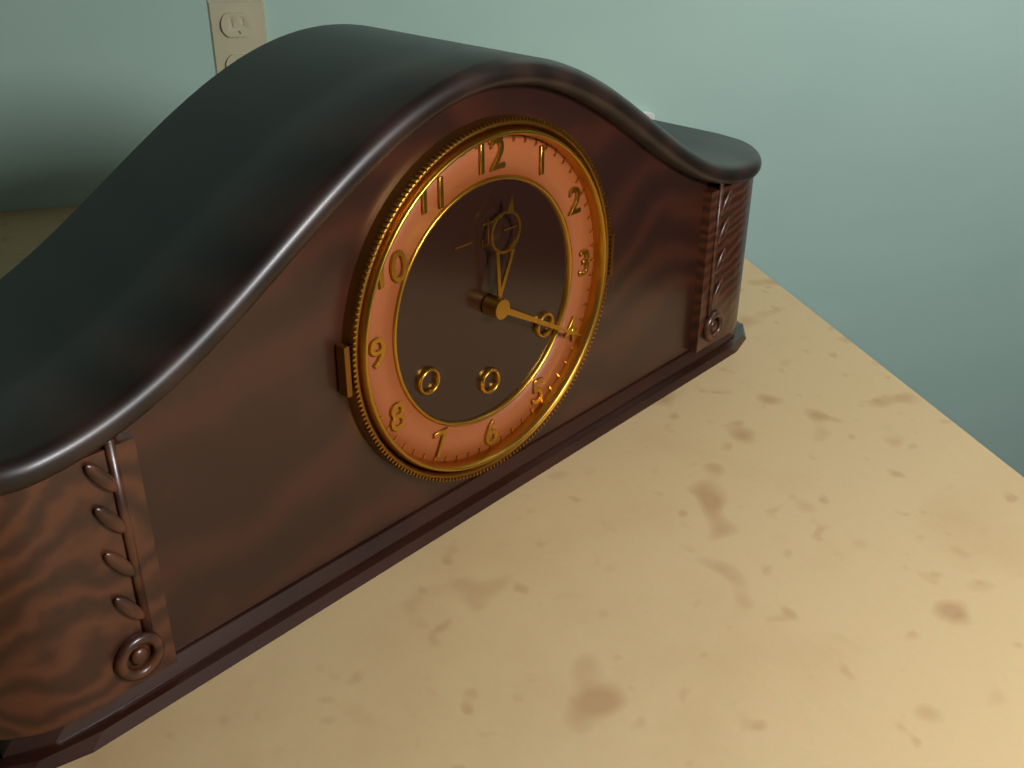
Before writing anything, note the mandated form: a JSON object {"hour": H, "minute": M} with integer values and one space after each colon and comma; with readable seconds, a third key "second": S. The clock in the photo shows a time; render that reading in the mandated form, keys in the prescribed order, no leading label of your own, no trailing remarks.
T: {"hour": 12, "minute": 20}
